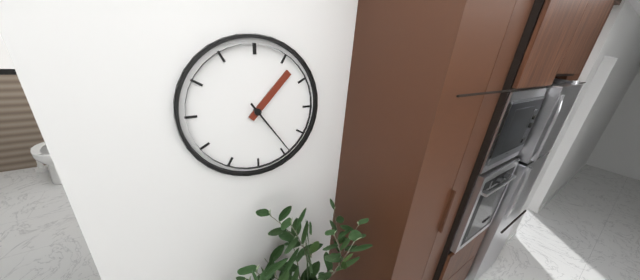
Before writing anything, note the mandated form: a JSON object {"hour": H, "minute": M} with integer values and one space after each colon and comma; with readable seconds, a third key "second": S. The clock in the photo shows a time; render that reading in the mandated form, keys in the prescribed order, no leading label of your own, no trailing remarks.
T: {"hour": 1, "minute": 24}
